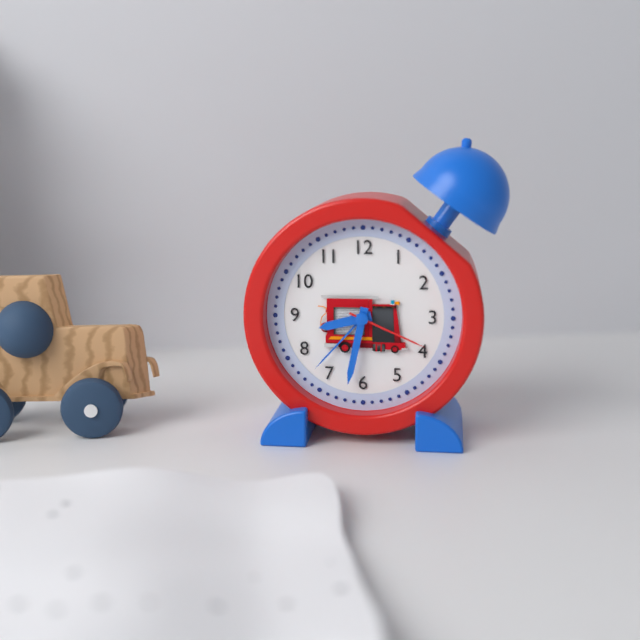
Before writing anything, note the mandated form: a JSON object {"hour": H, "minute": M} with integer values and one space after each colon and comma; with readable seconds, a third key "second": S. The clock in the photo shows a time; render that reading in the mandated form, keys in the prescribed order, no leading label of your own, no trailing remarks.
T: {"hour": 8, "minute": 32, "second": 19}
